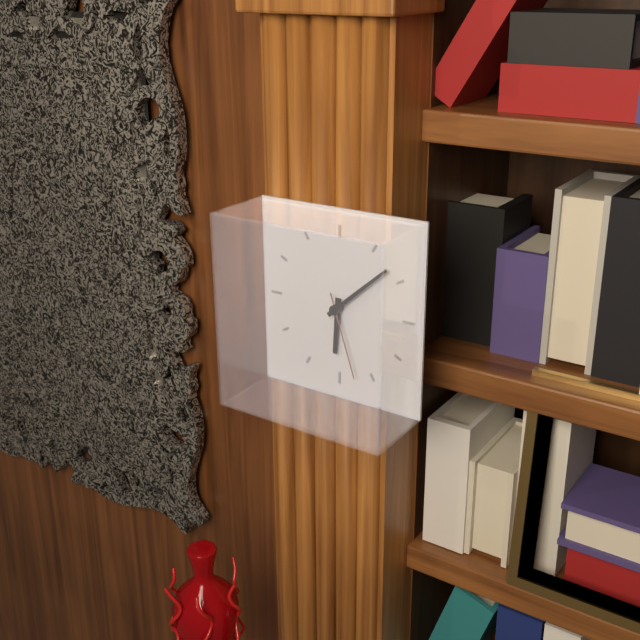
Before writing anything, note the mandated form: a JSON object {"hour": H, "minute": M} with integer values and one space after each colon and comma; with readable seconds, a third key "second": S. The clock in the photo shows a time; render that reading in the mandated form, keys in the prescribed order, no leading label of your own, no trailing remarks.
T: {"hour": 6, "minute": 8, "second": 27}
